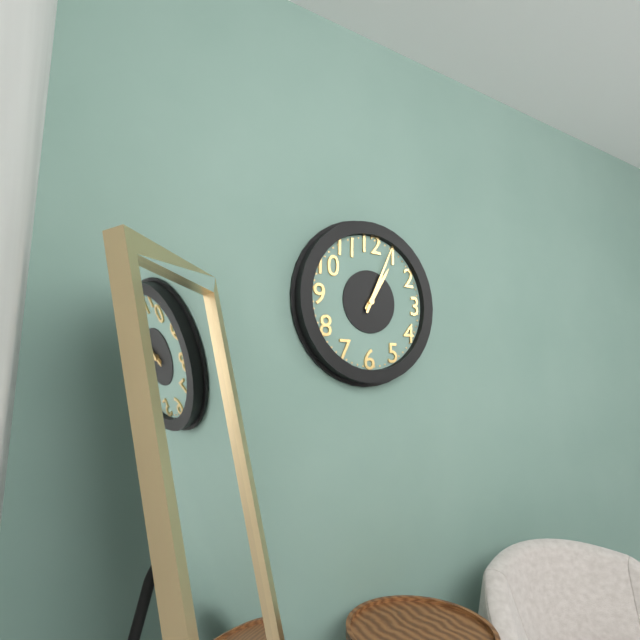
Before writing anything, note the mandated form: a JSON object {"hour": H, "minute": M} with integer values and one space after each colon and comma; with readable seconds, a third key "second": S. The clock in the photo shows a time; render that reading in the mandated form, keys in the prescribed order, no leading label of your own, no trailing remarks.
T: {"hour": 1, "minute": 4}
